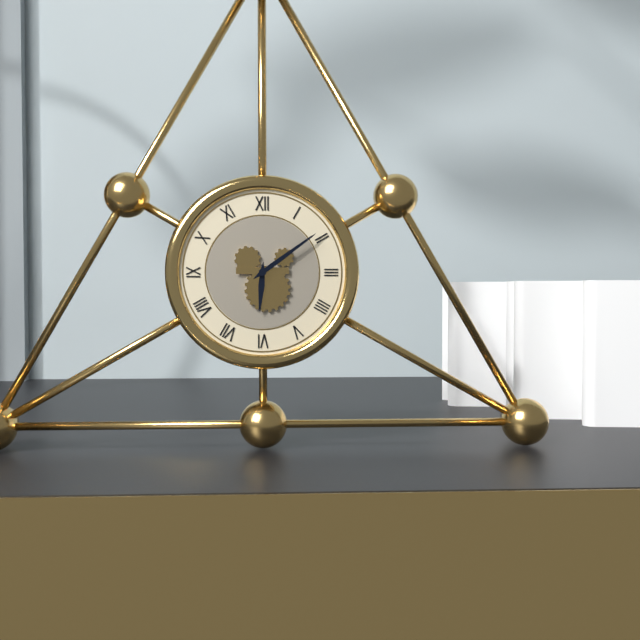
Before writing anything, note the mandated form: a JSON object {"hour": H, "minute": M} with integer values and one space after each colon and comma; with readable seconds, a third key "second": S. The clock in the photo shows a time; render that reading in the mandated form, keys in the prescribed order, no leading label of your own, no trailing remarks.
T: {"hour": 6, "minute": 9}
